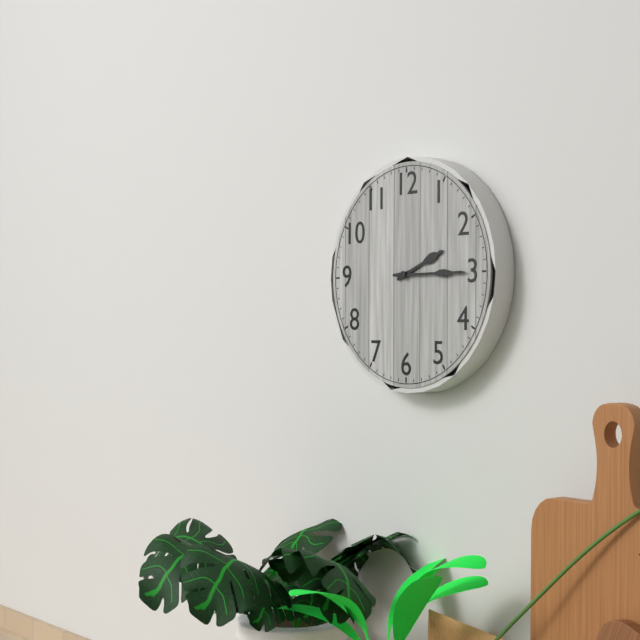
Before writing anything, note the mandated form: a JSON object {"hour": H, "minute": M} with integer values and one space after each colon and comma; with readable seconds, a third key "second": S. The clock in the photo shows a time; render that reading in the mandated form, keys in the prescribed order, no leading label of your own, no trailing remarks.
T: {"hour": 2, "minute": 15}
